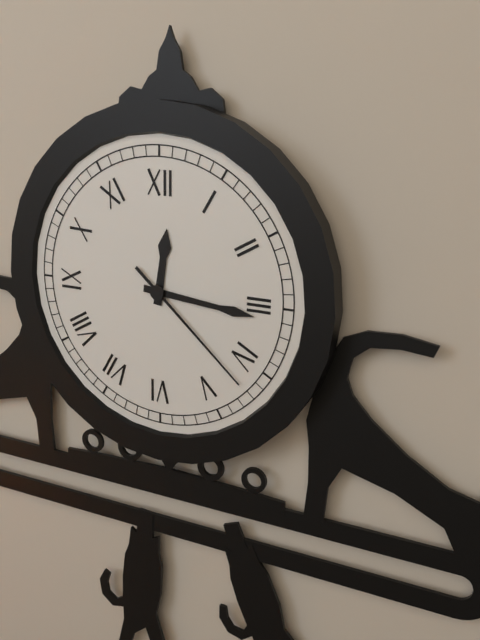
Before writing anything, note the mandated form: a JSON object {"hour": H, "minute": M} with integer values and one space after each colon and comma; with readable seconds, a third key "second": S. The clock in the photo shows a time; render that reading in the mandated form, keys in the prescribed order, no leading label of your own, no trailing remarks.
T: {"hour": 12, "minute": 16, "second": 22}
